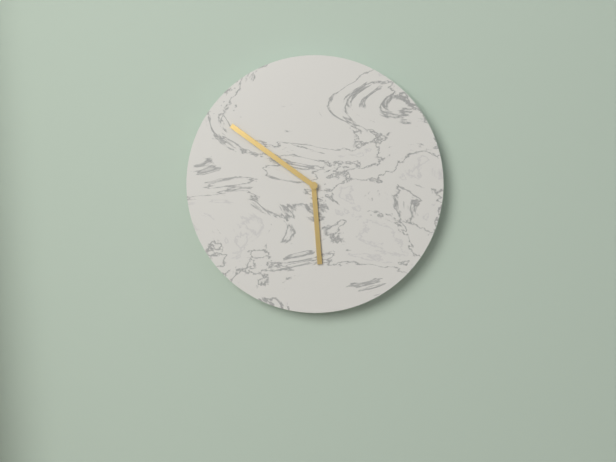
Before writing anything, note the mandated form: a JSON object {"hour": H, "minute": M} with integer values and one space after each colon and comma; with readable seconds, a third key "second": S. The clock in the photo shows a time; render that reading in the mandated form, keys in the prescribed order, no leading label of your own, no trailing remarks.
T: {"hour": 5, "minute": 51}
